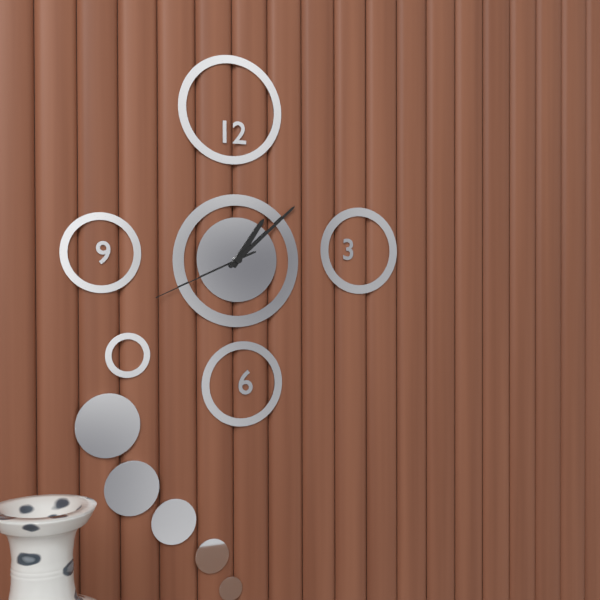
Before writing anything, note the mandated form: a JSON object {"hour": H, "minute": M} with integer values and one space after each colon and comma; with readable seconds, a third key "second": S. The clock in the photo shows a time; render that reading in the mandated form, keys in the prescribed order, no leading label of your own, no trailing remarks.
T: {"hour": 1, "minute": 8, "second": 41}
